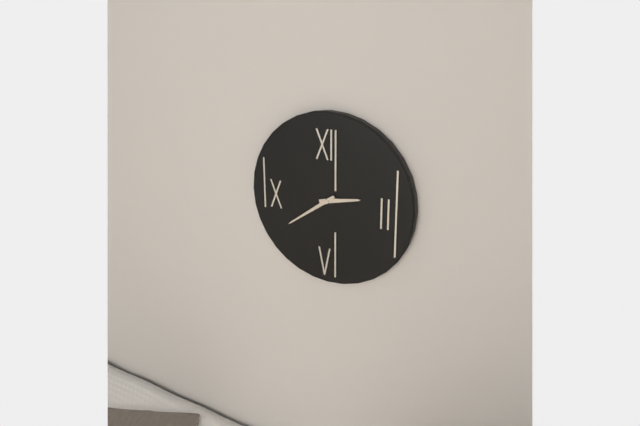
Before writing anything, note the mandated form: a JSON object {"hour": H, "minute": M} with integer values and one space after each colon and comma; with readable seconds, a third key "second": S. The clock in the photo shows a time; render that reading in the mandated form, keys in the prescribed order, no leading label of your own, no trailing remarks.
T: {"hour": 2, "minute": 39}
